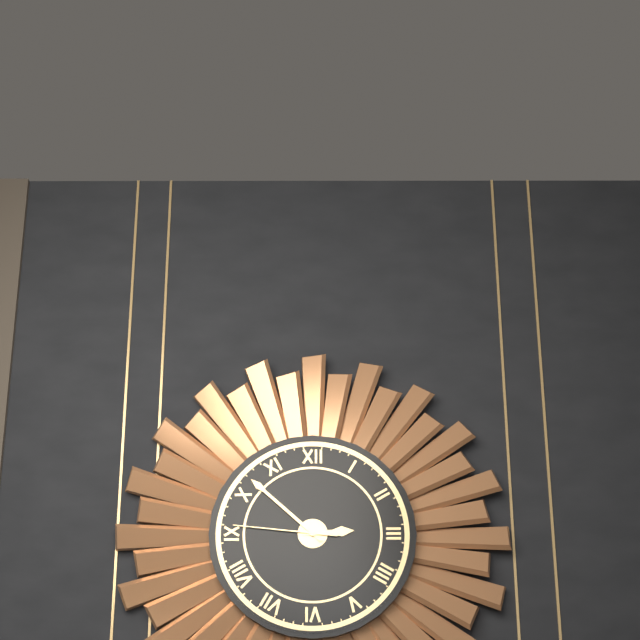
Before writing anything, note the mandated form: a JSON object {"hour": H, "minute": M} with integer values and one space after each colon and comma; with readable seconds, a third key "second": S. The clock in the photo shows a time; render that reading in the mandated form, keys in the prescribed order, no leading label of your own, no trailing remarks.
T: {"hour": 2, "minute": 52, "second": 46}
